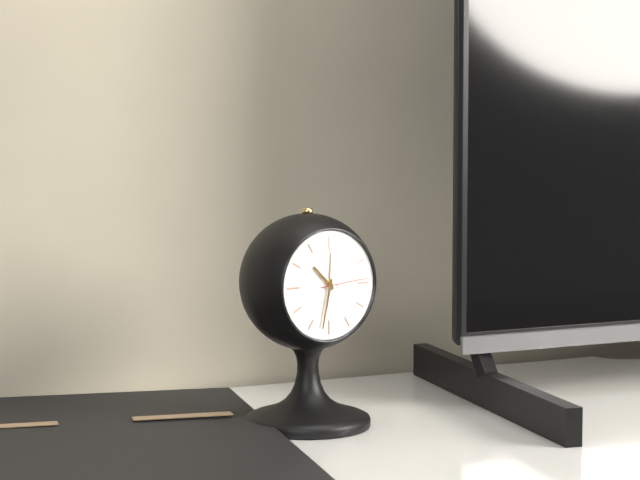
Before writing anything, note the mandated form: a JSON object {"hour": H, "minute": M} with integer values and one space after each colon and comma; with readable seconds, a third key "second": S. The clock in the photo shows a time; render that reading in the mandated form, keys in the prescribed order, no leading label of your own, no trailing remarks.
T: {"hour": 10, "minute": 32, "second": 14}
